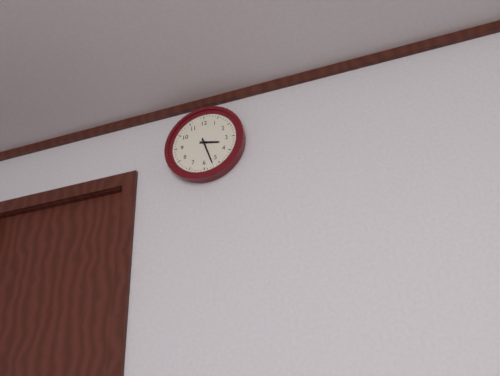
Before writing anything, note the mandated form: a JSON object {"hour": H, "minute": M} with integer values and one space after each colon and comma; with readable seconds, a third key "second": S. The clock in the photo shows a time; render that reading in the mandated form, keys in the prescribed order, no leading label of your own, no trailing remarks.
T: {"hour": 3, "minute": 27}
